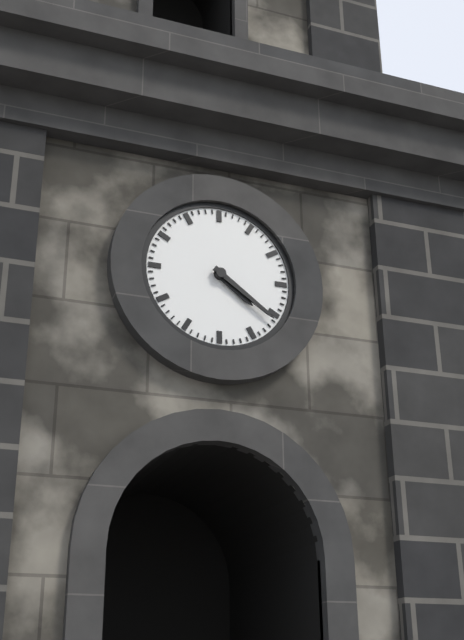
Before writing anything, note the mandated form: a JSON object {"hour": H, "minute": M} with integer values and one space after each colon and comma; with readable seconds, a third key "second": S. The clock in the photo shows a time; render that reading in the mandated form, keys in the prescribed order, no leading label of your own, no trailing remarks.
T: {"hour": 4, "minute": 21}
